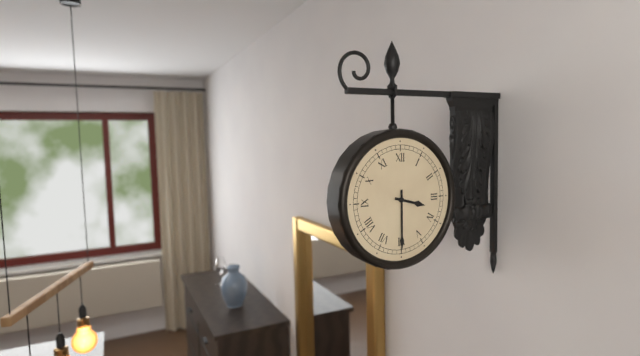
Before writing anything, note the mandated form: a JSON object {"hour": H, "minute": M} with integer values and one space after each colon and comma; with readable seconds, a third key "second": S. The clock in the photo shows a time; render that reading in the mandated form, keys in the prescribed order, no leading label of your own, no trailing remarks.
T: {"hour": 3, "minute": 30}
